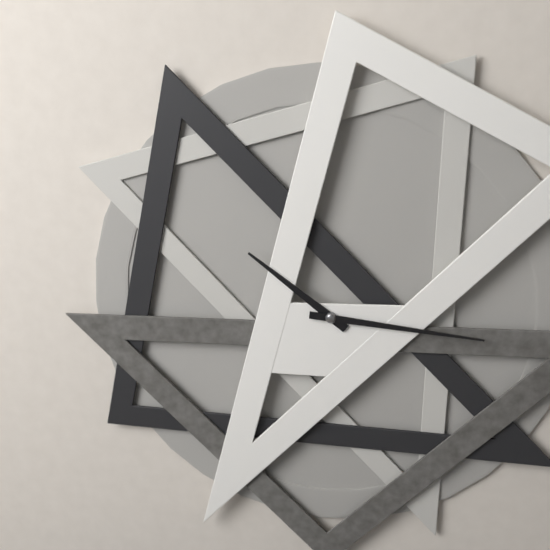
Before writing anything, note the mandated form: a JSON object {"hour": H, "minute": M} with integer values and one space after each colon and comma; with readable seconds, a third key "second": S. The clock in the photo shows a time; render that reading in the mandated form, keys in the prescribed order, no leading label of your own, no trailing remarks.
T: {"hour": 10, "minute": 16}
